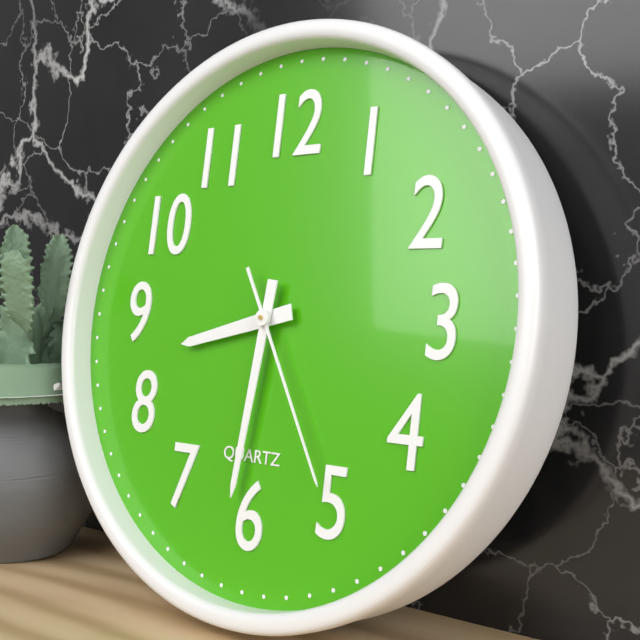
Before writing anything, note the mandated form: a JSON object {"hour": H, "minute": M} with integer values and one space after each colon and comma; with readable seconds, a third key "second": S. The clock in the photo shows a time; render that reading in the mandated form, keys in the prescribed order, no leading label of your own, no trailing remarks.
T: {"hour": 8, "minute": 31, "second": 25}
